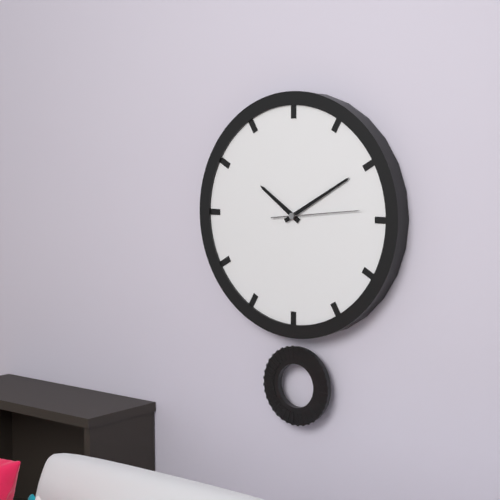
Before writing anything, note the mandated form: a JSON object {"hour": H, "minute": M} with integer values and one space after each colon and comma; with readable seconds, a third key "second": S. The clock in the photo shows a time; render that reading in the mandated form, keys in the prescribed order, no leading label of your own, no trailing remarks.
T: {"hour": 10, "minute": 10, "second": 14}
